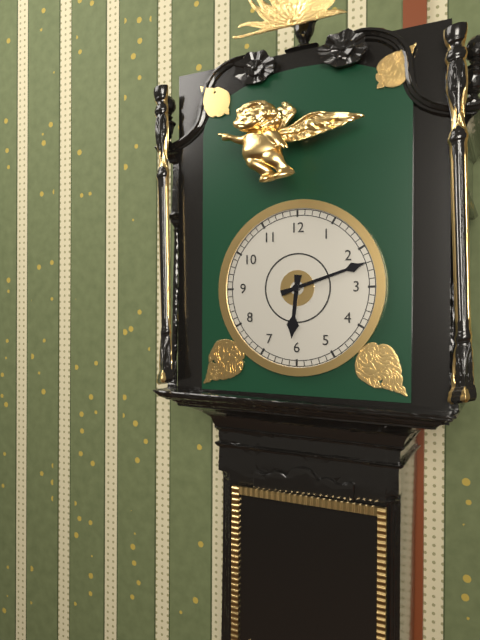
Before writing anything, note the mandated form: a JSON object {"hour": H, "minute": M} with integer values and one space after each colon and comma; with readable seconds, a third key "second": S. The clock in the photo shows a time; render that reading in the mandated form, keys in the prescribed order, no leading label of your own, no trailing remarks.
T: {"hour": 6, "minute": 12}
